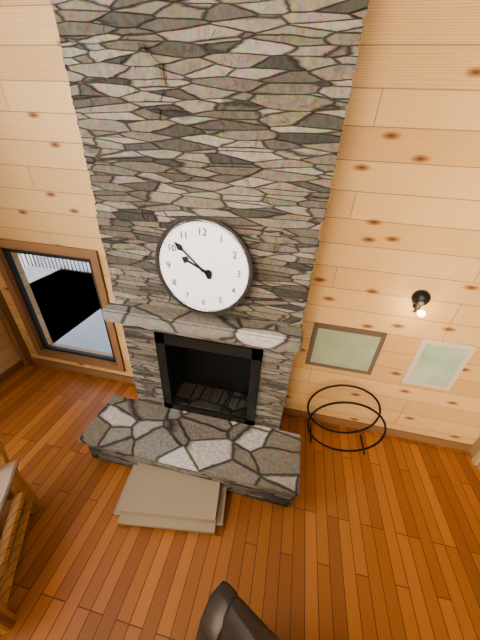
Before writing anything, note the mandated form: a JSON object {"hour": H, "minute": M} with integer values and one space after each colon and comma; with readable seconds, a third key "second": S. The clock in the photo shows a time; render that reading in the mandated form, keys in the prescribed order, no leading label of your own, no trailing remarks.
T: {"hour": 9, "minute": 52}
